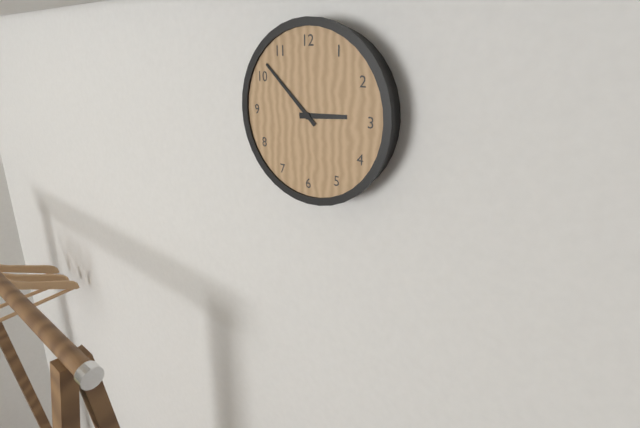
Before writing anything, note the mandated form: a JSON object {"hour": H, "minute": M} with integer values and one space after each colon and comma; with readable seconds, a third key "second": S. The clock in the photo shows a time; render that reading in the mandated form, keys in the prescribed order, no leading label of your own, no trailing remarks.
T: {"hour": 2, "minute": 52}
